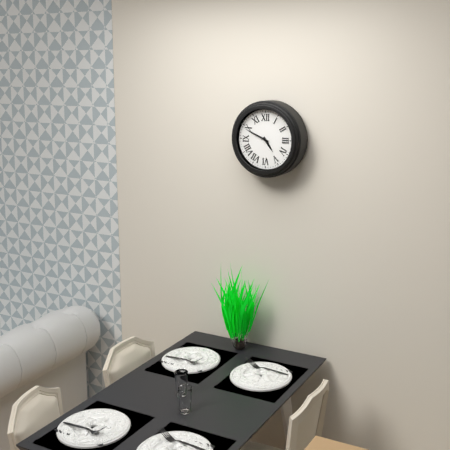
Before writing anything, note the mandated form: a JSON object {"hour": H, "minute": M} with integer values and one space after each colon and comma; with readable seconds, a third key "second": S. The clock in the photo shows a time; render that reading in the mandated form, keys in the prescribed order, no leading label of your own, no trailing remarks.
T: {"hour": 4, "minute": 49}
